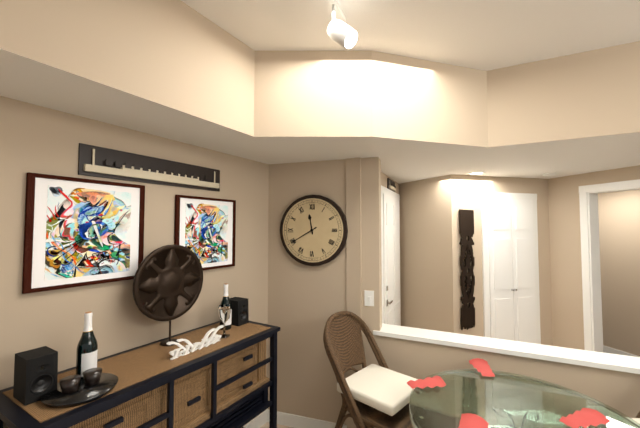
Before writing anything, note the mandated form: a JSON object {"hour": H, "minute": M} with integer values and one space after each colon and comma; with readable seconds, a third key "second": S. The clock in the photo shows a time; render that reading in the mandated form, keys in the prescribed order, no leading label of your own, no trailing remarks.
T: {"hour": 11, "minute": 40}
